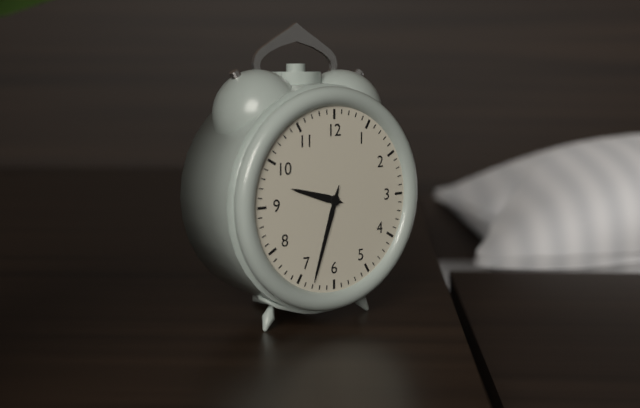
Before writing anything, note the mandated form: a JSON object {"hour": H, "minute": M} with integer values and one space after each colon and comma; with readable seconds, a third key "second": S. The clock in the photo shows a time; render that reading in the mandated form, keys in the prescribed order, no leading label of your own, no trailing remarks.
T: {"hour": 9, "minute": 33}
